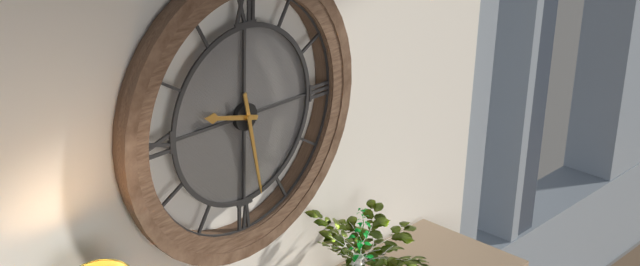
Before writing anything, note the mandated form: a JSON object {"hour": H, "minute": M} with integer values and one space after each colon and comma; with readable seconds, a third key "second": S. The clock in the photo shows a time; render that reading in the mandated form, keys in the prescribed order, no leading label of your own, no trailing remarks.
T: {"hour": 9, "minute": 28}
